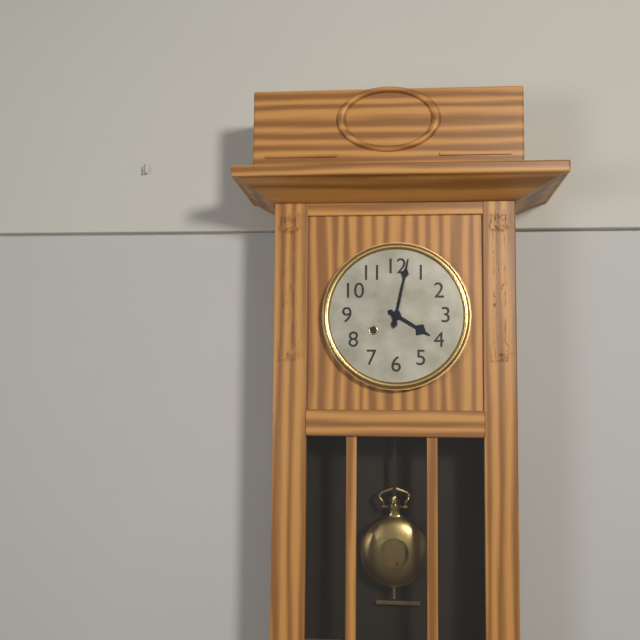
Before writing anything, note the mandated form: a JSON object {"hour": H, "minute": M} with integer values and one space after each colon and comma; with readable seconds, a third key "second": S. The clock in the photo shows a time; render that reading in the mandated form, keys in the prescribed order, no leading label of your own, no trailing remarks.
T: {"hour": 4, "minute": 2}
